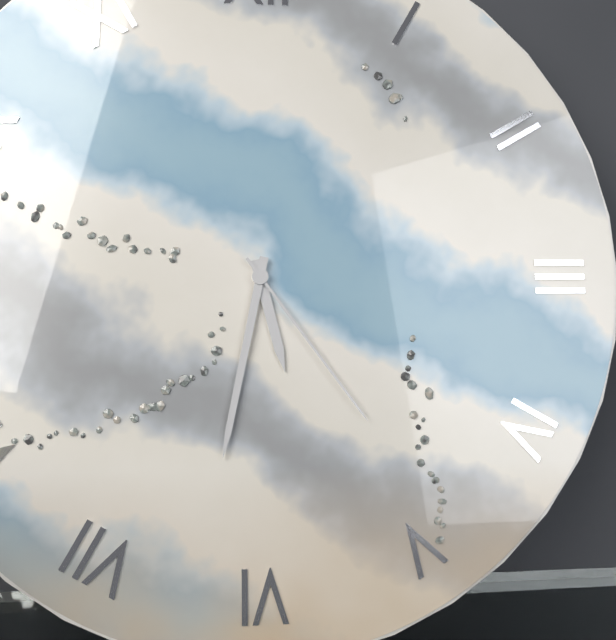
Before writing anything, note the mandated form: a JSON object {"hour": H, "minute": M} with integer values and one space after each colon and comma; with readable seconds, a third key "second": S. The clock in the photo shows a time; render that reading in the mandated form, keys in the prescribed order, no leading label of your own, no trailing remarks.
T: {"hour": 5, "minute": 32, "second": 24}
